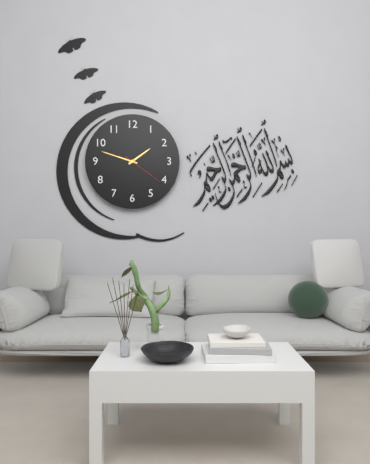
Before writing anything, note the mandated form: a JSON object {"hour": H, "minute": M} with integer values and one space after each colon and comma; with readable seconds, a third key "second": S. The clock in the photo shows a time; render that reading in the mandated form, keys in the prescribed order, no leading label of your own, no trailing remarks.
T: {"hour": 1, "minute": 48}
